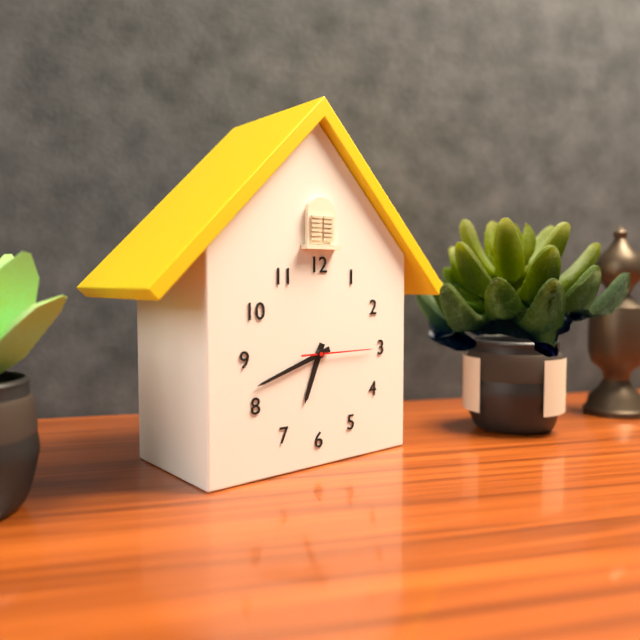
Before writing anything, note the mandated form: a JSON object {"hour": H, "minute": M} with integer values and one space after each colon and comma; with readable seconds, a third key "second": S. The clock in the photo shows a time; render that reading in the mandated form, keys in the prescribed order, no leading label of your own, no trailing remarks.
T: {"hour": 6, "minute": 42, "second": 15}
